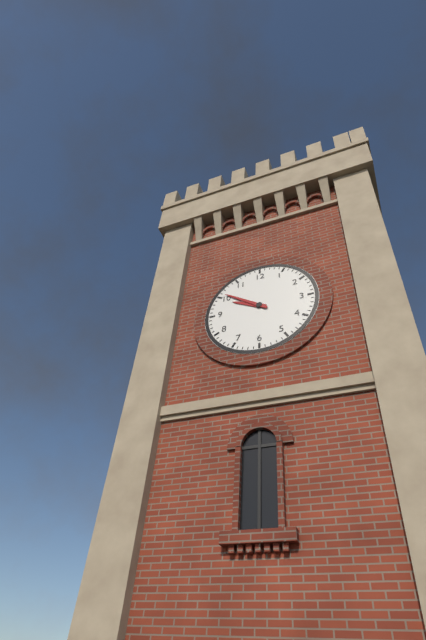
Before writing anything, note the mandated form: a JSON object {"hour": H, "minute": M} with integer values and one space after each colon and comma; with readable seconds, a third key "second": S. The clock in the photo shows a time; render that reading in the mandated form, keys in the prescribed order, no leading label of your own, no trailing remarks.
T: {"hour": 9, "minute": 51}
